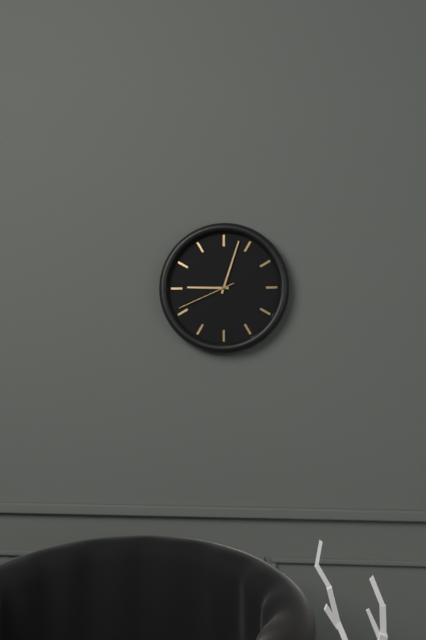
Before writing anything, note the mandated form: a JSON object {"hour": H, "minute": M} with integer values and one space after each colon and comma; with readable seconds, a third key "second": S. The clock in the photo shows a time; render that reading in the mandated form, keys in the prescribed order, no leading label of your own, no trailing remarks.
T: {"hour": 9, "minute": 3, "second": 41}
